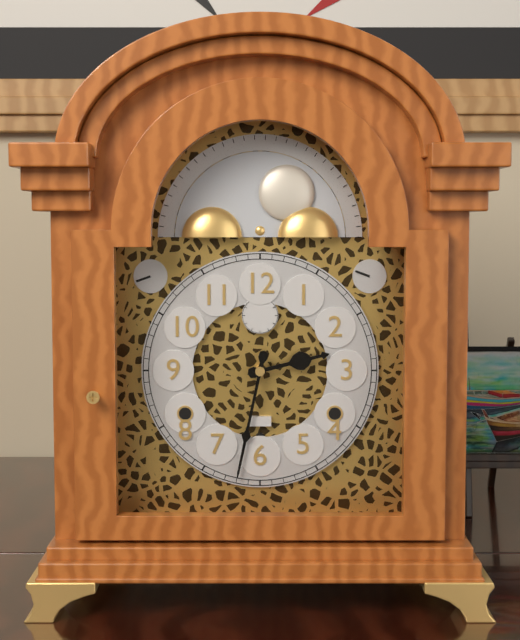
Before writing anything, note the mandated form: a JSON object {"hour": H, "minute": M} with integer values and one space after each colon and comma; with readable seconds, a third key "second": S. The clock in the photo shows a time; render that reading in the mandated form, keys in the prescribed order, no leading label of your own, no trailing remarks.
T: {"hour": 2, "minute": 32}
